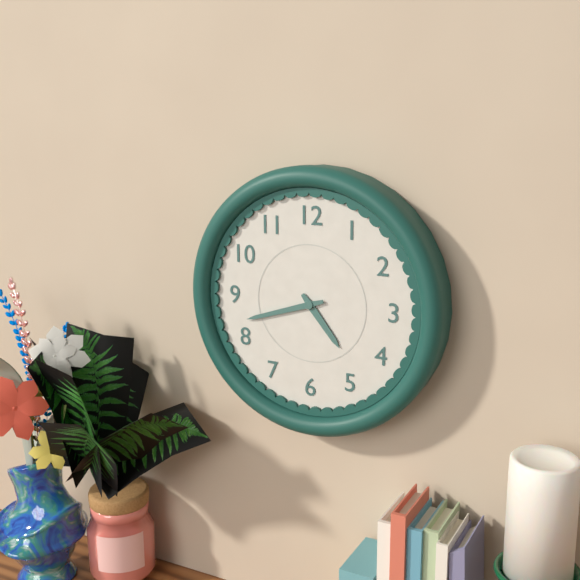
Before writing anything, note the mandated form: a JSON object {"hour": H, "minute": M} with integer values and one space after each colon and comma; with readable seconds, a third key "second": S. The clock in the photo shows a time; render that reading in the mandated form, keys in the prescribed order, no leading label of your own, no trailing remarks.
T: {"hour": 4, "minute": 42}
